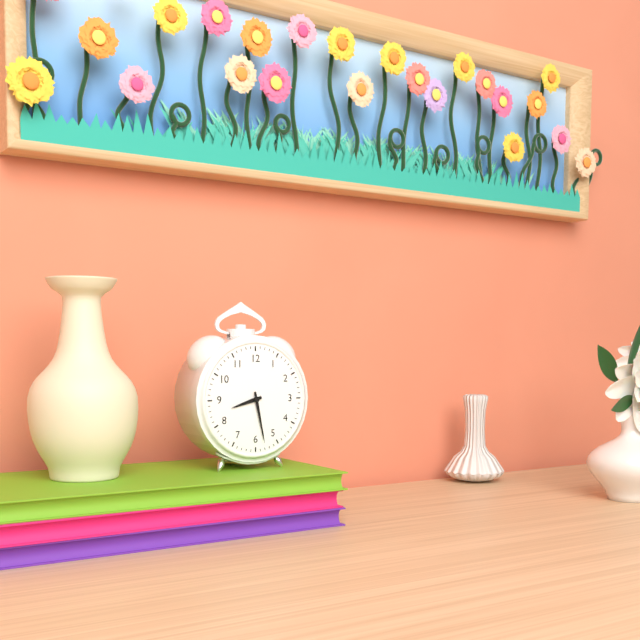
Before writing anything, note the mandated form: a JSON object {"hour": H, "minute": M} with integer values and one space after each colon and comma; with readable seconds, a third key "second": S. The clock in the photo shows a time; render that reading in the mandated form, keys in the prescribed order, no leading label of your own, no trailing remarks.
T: {"hour": 8, "minute": 28}
